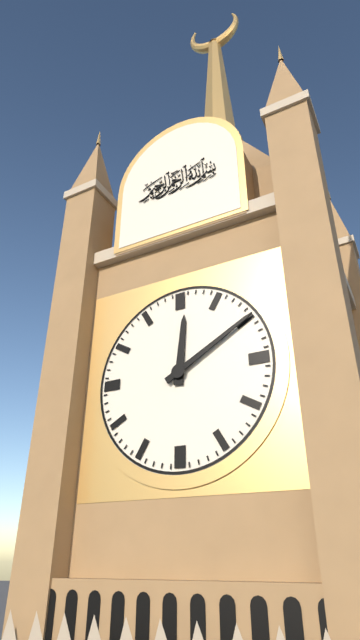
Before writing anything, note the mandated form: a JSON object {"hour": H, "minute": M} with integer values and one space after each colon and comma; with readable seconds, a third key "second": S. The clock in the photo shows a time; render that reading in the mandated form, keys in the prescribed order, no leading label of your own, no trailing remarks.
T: {"hour": 12, "minute": 10}
